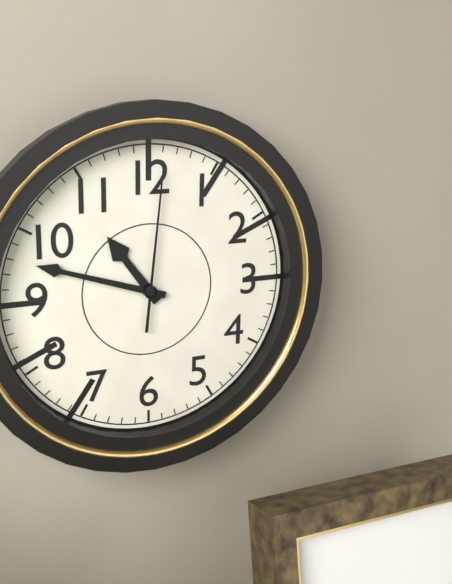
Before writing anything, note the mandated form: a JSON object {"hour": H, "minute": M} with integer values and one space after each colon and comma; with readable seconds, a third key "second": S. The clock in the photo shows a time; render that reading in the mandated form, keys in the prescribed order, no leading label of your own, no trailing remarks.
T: {"hour": 10, "minute": 48, "second": 1}
